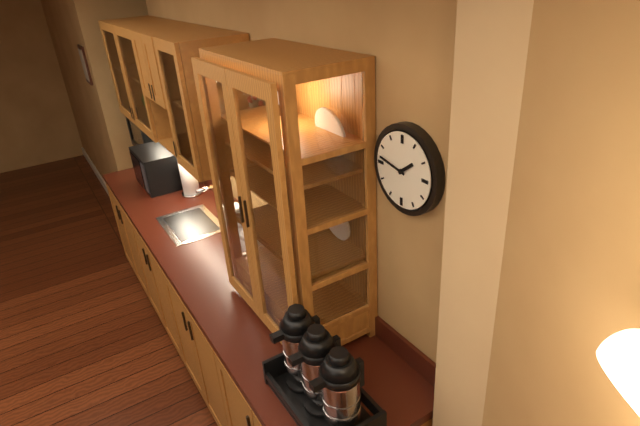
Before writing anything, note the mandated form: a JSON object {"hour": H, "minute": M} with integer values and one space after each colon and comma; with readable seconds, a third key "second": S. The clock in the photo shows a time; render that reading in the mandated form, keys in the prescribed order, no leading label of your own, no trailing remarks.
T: {"hour": 1, "minute": 47}
